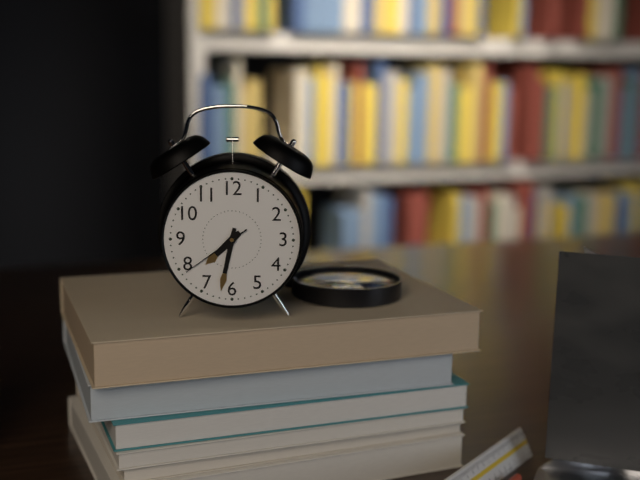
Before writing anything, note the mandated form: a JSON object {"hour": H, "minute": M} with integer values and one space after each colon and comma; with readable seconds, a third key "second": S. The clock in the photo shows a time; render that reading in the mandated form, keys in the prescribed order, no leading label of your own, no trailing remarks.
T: {"hour": 7, "minute": 32, "second": 39}
